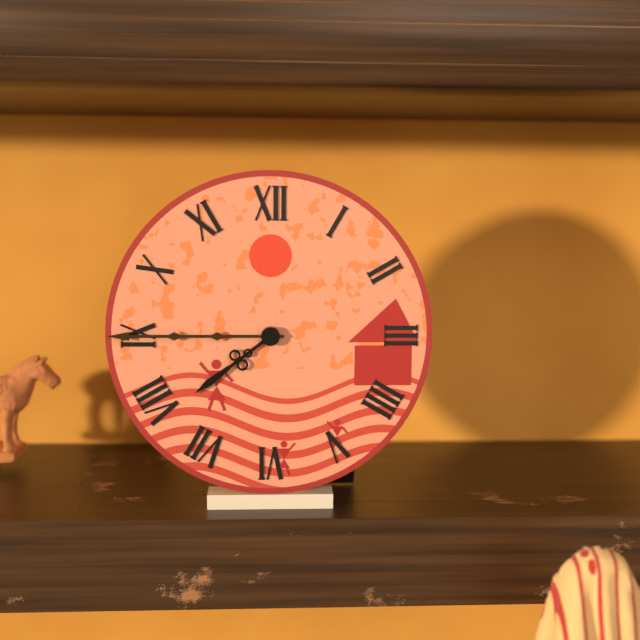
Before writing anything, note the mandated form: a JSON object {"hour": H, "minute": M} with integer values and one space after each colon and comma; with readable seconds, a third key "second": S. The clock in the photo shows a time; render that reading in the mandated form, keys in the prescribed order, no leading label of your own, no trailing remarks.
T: {"hour": 7, "minute": 45}
